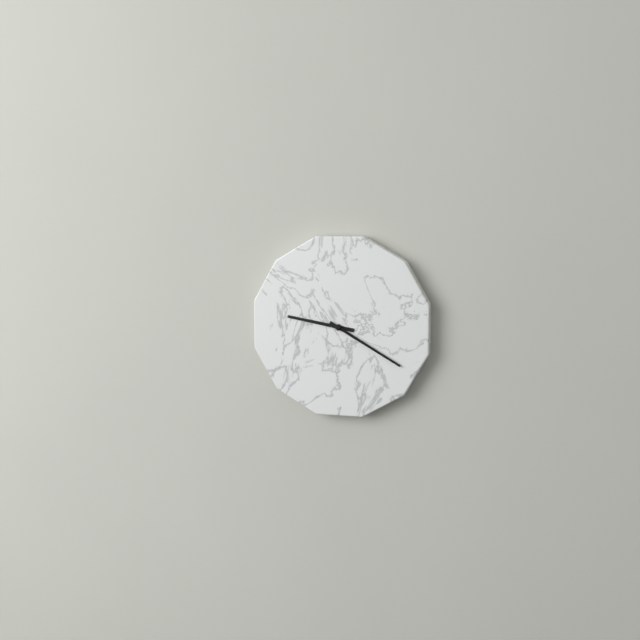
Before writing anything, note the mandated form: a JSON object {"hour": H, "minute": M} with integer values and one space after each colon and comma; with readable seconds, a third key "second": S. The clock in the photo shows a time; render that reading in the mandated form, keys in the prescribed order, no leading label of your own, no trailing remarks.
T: {"hour": 9, "minute": 20}
